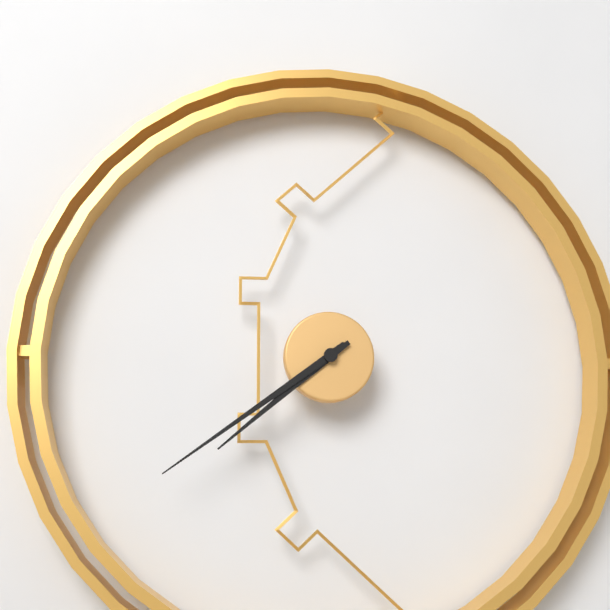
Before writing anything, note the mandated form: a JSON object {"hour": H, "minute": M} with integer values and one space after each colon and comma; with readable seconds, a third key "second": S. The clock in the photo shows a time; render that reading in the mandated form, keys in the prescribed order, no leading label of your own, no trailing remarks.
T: {"hour": 7, "minute": 39}
